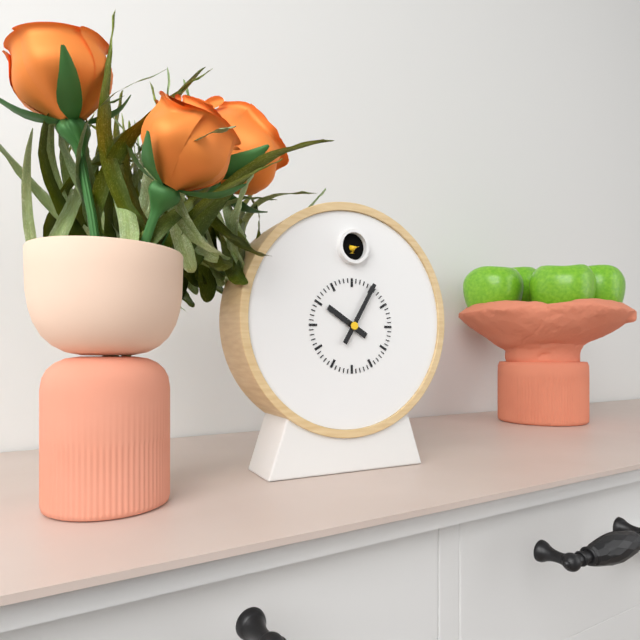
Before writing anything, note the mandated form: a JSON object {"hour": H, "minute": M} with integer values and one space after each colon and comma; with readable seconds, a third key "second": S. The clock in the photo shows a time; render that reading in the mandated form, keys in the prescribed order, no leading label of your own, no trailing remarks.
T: {"hour": 10, "minute": 5}
